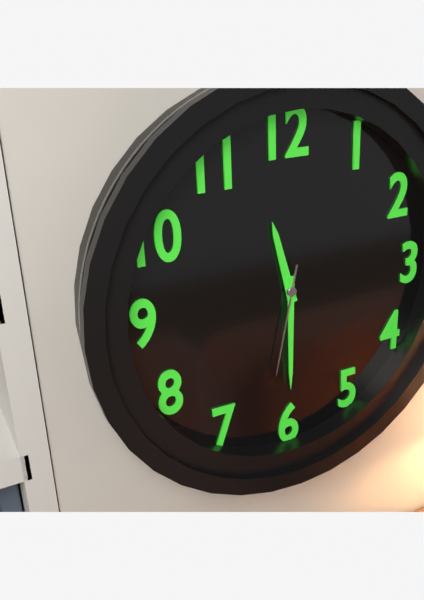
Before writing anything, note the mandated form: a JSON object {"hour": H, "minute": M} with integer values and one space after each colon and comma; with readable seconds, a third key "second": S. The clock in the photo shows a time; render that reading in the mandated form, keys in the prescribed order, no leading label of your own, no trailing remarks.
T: {"hour": 11, "minute": 30, "second": 32}
